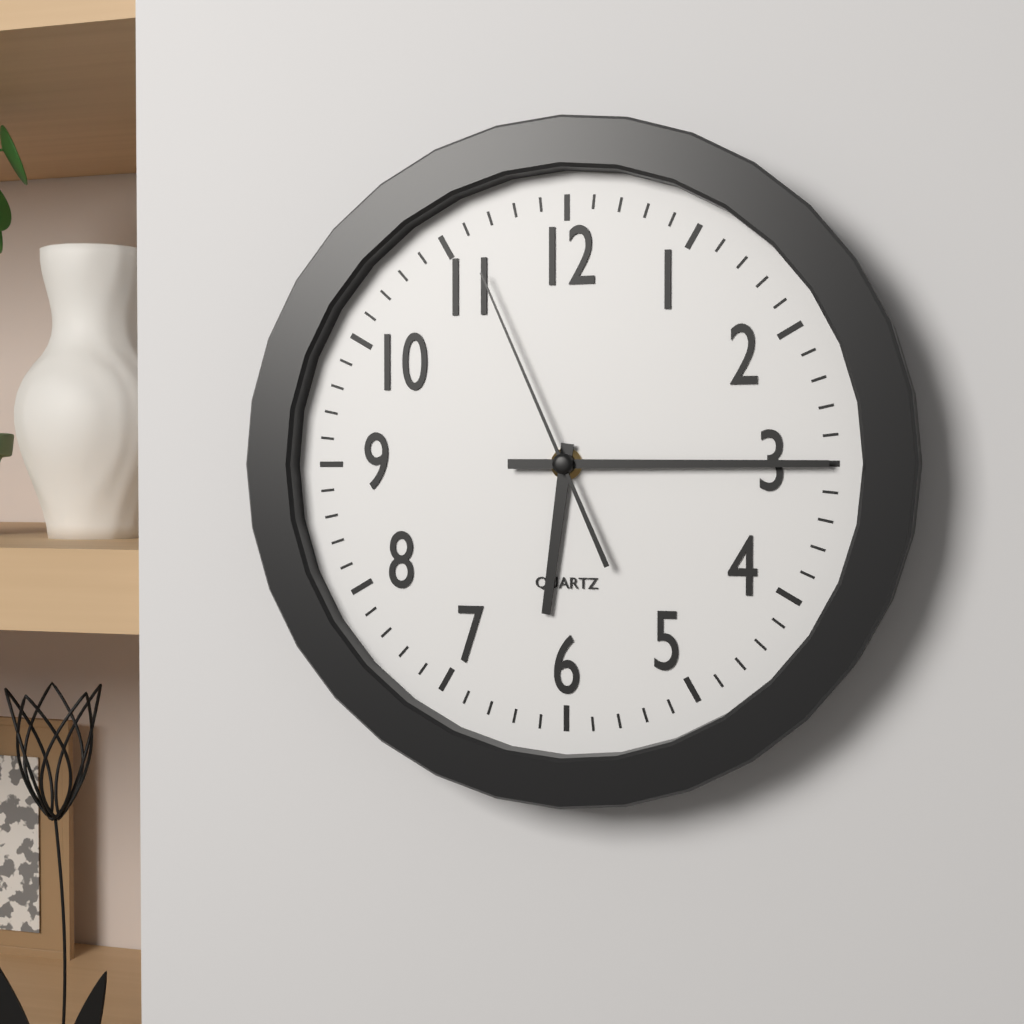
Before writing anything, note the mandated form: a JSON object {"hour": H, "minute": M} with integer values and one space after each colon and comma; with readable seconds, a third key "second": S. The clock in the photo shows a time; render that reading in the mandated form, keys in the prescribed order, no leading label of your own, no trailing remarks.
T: {"hour": 6, "minute": 15, "second": 56}
